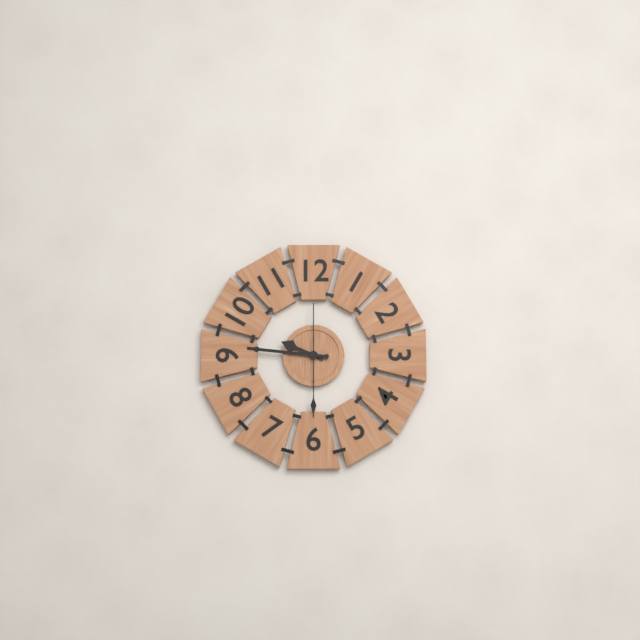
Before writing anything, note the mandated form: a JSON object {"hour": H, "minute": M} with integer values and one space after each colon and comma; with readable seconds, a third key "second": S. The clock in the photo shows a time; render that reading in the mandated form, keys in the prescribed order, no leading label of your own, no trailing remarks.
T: {"hour": 9, "minute": 46, "second": 30}
